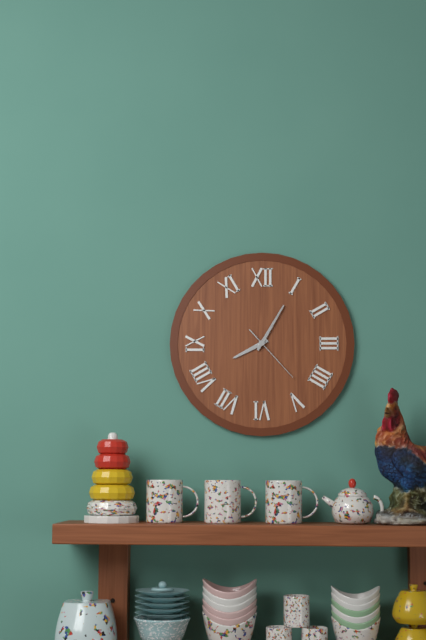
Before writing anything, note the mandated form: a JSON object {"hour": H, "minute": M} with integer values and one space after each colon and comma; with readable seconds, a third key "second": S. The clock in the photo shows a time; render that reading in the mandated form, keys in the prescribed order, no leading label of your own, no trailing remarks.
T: {"hour": 8, "minute": 5, "second": 23}
